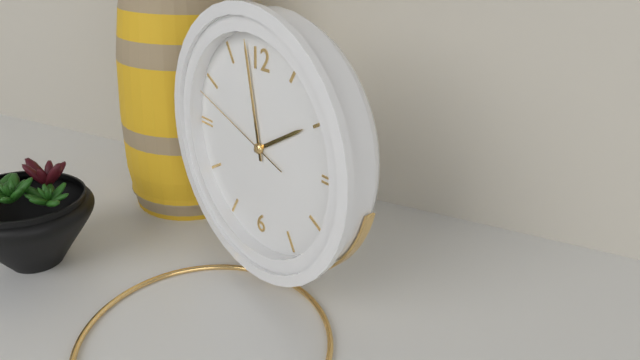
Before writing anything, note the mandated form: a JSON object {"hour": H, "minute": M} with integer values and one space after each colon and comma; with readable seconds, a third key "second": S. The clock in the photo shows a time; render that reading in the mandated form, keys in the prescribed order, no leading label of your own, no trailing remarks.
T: {"hour": 1, "minute": 58, "second": 48}
